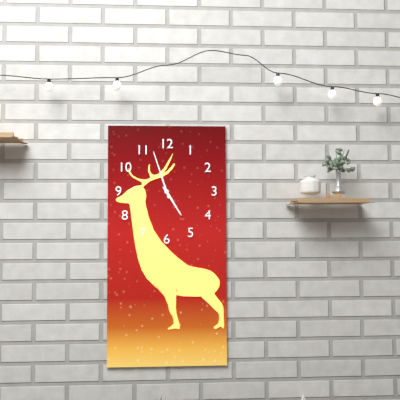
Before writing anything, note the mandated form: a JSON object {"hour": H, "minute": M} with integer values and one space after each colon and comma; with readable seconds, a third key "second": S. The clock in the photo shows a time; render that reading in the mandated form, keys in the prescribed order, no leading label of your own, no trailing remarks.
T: {"hour": 4, "minute": 57}
